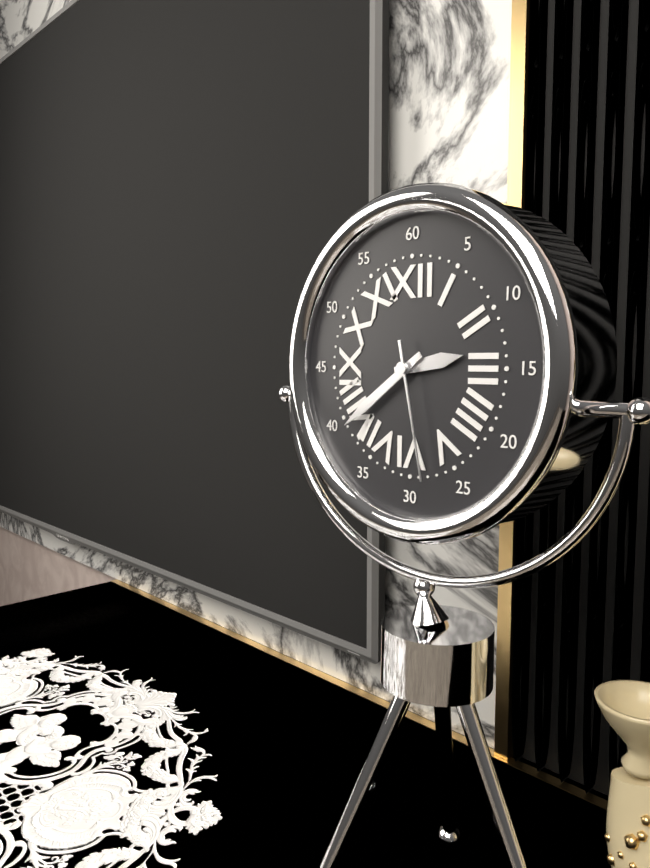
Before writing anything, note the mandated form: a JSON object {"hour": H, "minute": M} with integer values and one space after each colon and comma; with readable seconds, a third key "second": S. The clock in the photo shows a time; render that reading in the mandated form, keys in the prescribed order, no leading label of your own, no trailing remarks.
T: {"hour": 2, "minute": 39, "second": 28}
